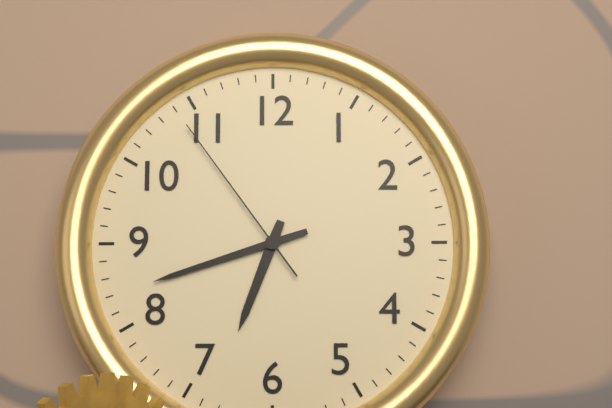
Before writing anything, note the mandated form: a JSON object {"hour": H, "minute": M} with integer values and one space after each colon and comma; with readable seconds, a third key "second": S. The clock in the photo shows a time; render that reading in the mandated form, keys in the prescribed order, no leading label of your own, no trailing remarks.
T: {"hour": 6, "minute": 42, "second": 54}
